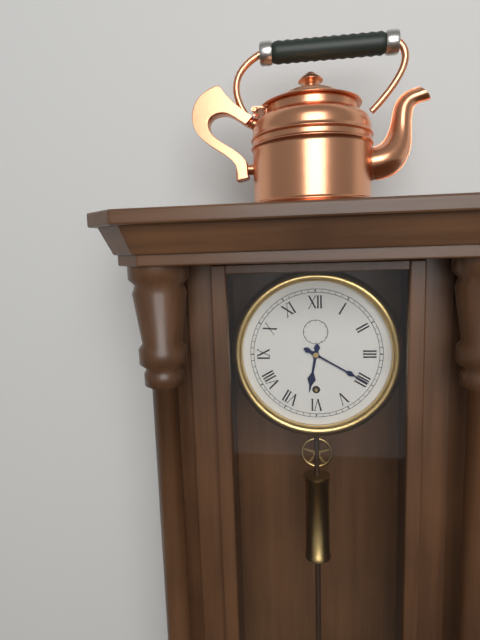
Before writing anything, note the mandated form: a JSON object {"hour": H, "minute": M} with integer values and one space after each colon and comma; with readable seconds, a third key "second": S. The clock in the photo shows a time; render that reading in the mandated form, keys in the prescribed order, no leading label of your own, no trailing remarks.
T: {"hour": 6, "minute": 20}
